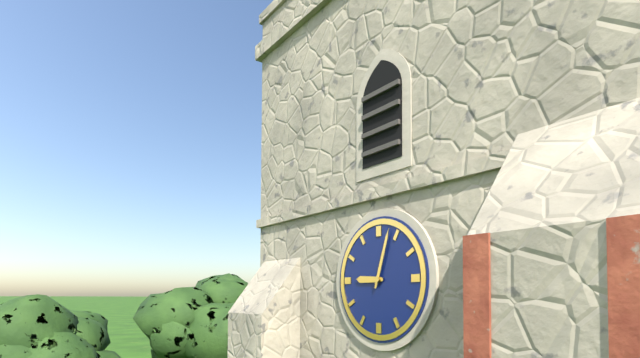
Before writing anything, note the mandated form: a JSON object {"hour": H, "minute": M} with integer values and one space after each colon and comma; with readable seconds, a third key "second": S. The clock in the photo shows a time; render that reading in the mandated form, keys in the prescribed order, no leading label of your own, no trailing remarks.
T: {"hour": 9, "minute": 3}
